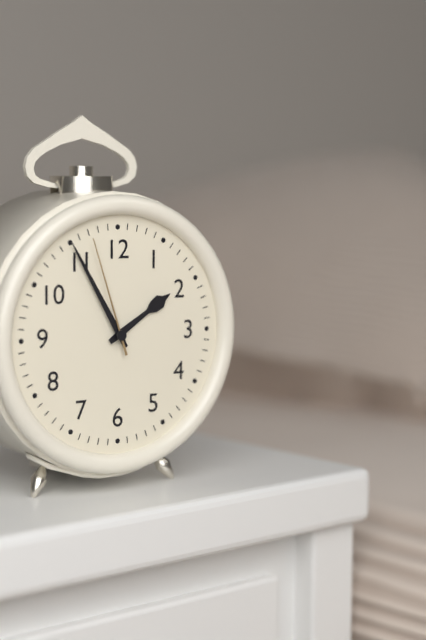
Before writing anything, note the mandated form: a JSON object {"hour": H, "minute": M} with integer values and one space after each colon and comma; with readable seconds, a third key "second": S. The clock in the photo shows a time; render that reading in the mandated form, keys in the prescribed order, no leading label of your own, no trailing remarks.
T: {"hour": 1, "minute": 55, "second": 57}
